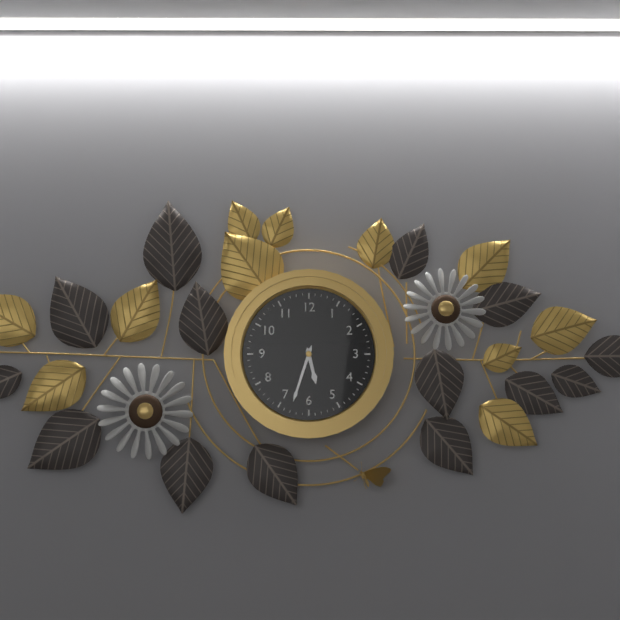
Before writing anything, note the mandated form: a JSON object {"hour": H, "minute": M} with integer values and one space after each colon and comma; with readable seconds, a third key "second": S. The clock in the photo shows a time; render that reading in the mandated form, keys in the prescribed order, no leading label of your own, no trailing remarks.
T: {"hour": 5, "minute": 33}
